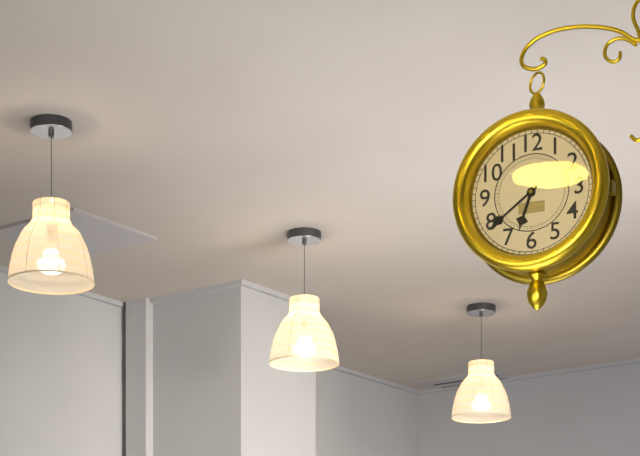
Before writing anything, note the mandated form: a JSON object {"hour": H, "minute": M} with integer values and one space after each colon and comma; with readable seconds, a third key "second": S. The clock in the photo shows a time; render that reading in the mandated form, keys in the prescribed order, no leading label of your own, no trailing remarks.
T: {"hour": 6, "minute": 39}
